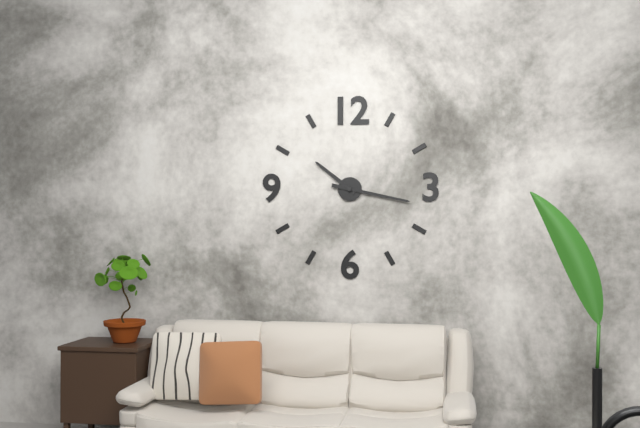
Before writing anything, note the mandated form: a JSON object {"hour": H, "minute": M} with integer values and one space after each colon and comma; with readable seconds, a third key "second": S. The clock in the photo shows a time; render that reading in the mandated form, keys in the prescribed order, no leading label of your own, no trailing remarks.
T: {"hour": 10, "minute": 17}
